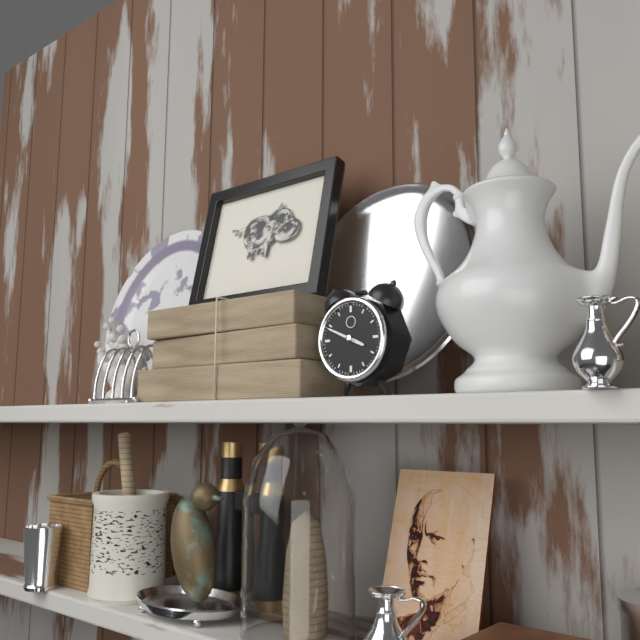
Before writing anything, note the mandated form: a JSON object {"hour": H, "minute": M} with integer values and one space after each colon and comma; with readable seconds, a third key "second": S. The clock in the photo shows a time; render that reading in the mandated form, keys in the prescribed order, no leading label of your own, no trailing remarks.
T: {"hour": 3, "minute": 49}
